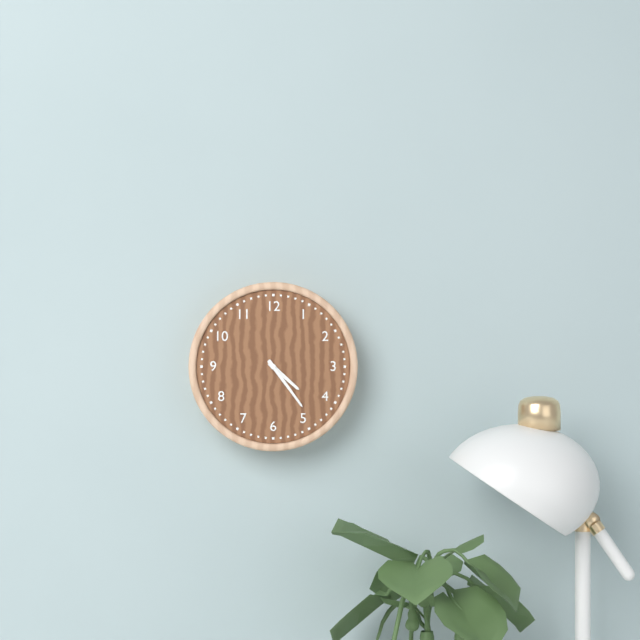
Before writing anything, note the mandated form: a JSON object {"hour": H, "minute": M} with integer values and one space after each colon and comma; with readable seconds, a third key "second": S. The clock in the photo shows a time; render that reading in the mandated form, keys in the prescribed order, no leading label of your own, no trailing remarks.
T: {"hour": 4, "minute": 24}
